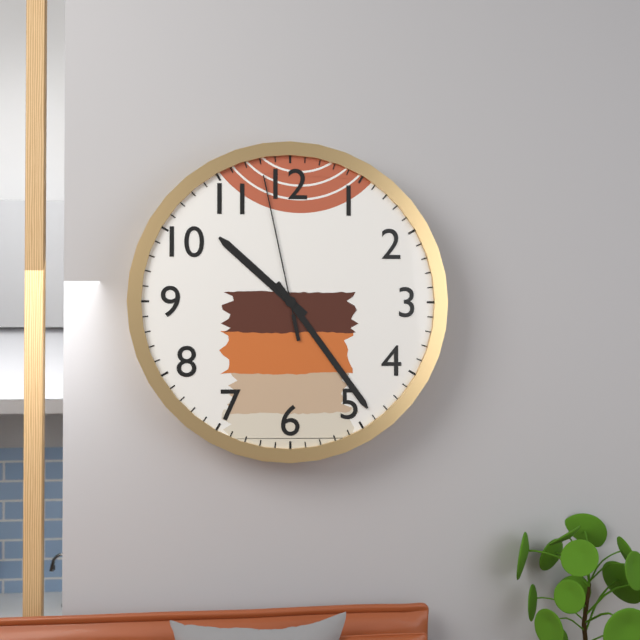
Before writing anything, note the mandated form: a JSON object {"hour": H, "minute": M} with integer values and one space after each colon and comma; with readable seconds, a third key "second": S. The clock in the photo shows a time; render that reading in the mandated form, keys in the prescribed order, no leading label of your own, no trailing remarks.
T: {"hour": 10, "minute": 24, "second": 58}
